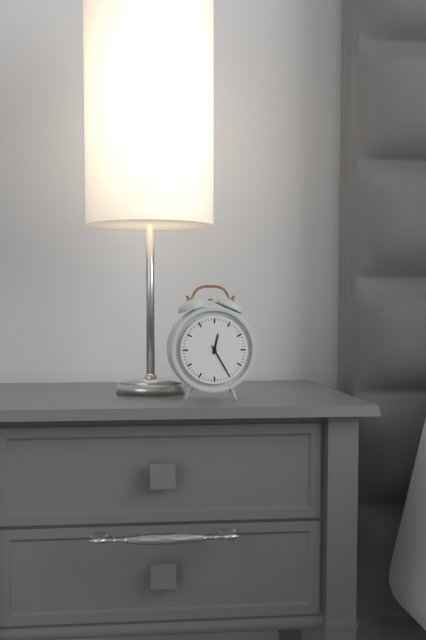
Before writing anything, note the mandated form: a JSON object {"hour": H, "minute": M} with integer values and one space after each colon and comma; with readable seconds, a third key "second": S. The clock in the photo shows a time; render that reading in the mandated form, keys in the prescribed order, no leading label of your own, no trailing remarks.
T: {"hour": 12, "minute": 25}
